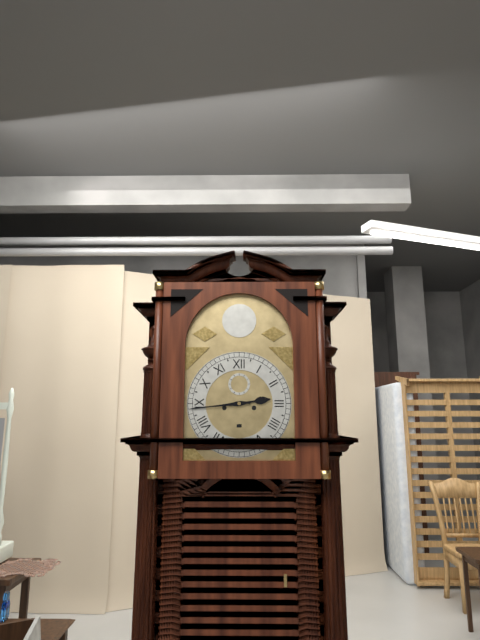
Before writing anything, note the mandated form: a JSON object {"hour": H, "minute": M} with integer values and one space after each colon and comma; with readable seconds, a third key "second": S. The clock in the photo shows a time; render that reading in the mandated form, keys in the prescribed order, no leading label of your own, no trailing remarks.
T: {"hour": 2, "minute": 44}
